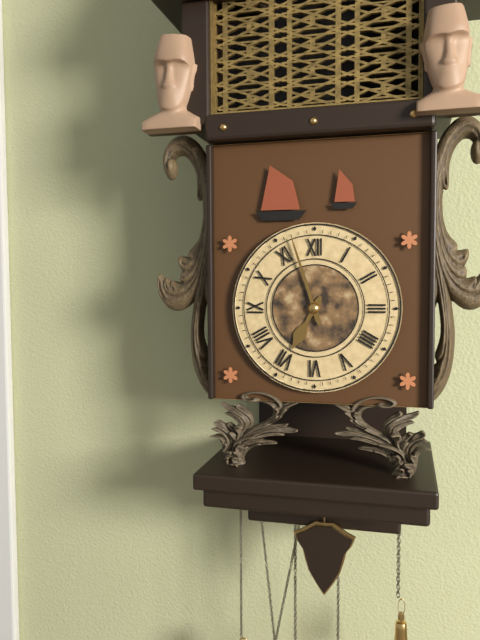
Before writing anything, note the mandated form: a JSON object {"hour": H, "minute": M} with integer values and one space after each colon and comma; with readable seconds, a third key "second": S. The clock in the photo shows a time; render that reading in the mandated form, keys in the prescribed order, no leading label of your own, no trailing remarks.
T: {"hour": 6, "minute": 57}
